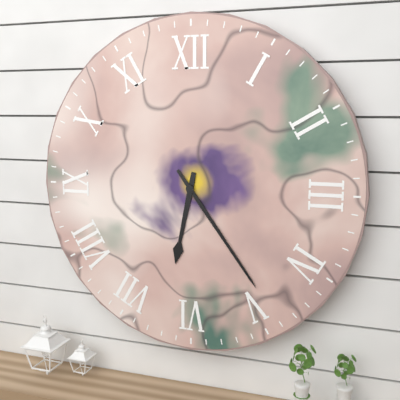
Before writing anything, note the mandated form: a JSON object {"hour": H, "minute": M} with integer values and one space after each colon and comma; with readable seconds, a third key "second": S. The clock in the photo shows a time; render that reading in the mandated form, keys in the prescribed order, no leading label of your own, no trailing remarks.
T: {"hour": 6, "minute": 24}
